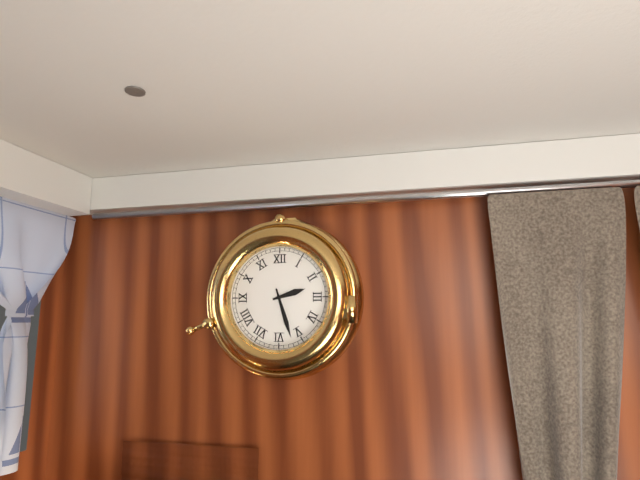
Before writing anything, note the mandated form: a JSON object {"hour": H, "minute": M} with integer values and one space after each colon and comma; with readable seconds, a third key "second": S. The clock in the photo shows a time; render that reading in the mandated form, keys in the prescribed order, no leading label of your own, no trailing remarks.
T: {"hour": 2, "minute": 27}
